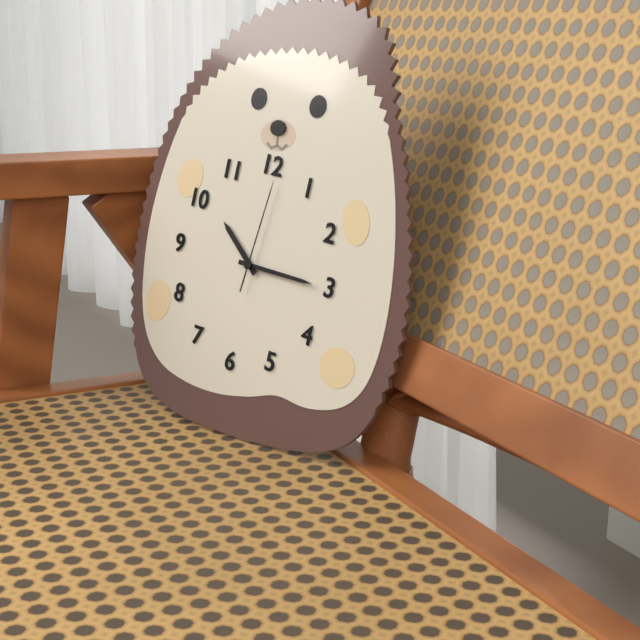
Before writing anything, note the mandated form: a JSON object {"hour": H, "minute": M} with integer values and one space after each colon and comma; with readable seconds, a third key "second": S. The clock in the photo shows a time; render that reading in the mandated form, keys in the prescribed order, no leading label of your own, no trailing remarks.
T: {"hour": 10, "minute": 15, "second": 1}
